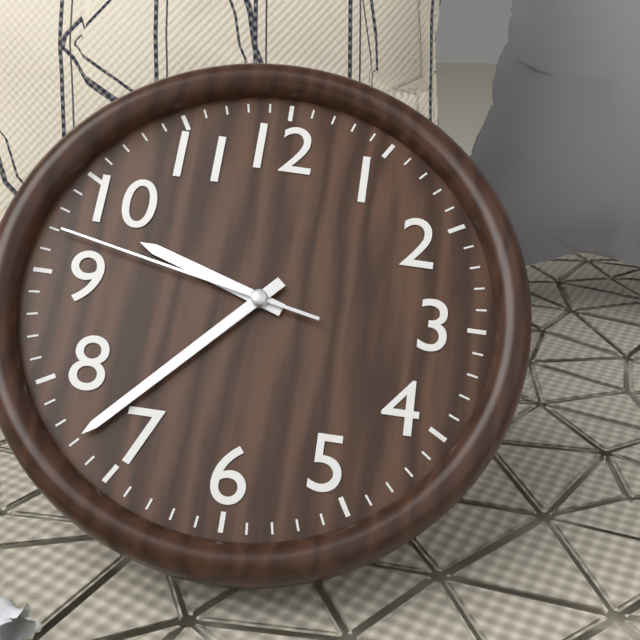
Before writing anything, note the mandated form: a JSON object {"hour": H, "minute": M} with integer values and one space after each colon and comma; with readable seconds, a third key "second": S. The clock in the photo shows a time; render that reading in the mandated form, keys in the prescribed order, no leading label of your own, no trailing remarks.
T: {"hour": 9, "minute": 37, "second": 47}
